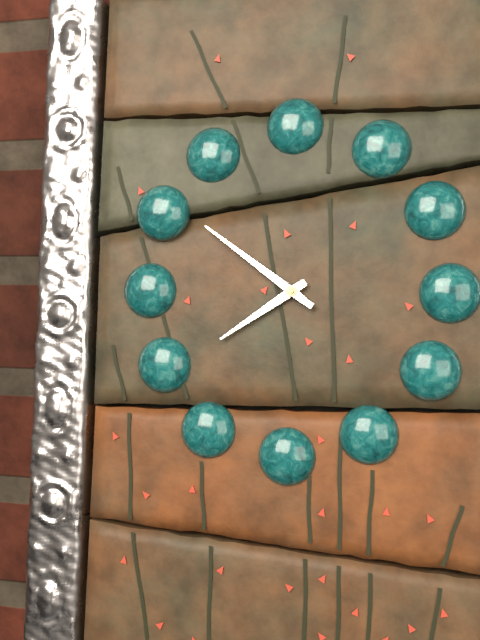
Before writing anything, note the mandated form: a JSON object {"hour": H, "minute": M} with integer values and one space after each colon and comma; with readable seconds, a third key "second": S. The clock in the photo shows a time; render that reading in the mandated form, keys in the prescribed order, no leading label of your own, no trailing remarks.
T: {"hour": 7, "minute": 51}
